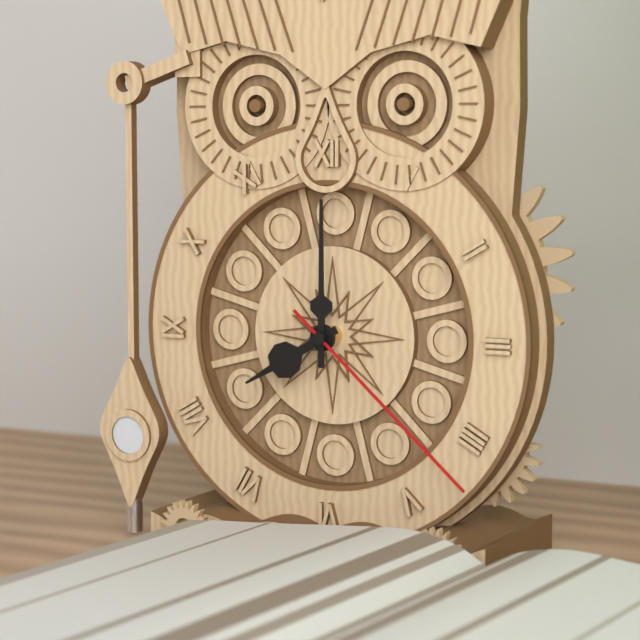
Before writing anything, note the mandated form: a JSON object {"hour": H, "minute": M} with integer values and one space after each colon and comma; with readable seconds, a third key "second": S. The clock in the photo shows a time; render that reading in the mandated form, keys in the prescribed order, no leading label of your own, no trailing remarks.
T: {"hour": 8, "minute": 0, "second": 22}
